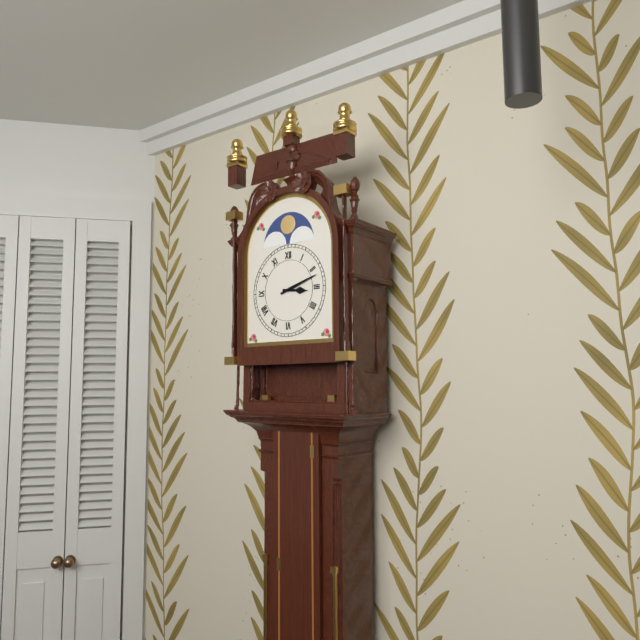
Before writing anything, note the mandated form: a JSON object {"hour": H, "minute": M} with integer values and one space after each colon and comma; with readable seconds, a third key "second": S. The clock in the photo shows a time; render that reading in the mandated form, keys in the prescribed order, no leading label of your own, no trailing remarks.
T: {"hour": 3, "minute": 12}
